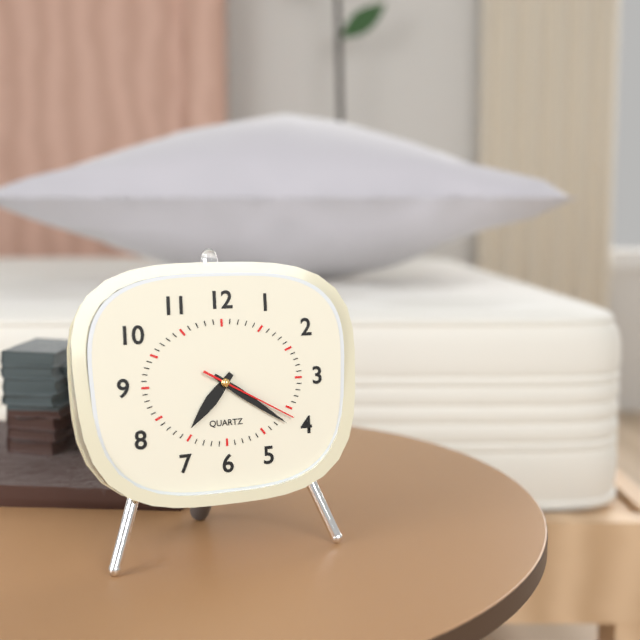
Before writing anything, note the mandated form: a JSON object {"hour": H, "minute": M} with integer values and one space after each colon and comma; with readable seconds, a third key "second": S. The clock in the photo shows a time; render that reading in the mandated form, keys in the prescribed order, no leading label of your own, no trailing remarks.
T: {"hour": 7, "minute": 21, "second": 20}
